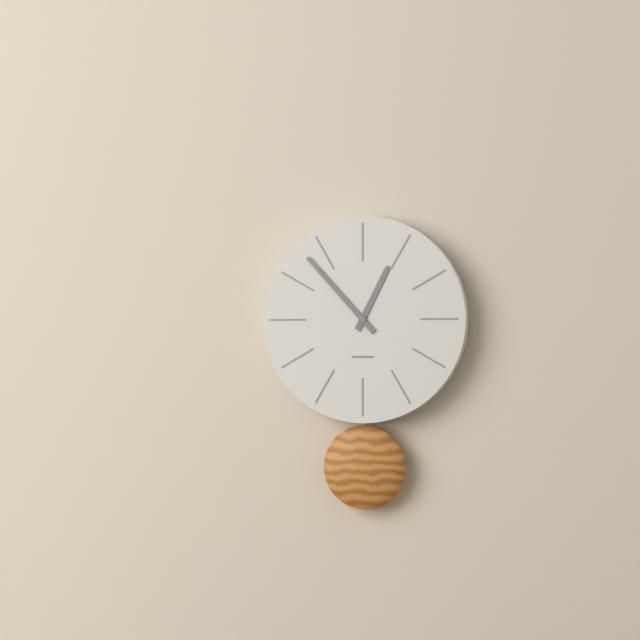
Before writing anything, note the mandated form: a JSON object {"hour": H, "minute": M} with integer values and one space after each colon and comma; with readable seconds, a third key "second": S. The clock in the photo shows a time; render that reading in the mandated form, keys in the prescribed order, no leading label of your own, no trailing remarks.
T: {"hour": 12, "minute": 53}
